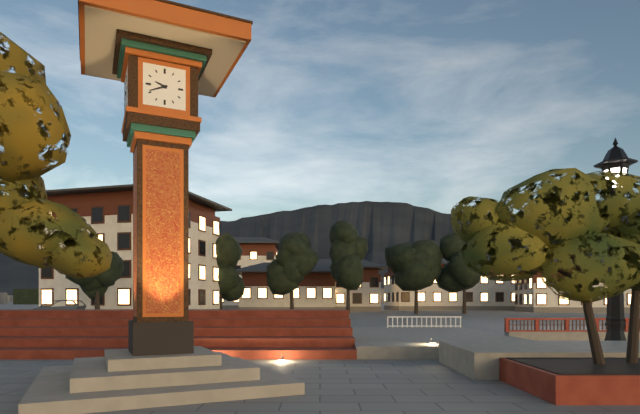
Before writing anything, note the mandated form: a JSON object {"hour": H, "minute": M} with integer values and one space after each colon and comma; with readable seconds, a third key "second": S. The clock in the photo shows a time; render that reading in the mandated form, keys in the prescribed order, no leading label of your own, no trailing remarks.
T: {"hour": 9, "minute": 41}
